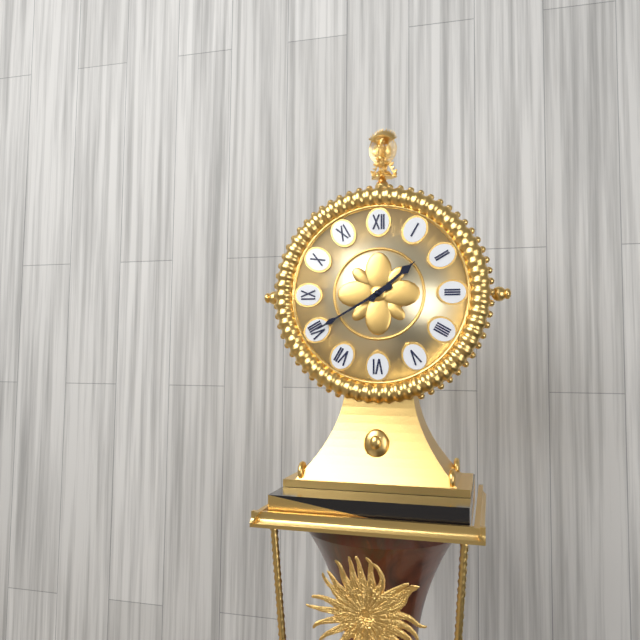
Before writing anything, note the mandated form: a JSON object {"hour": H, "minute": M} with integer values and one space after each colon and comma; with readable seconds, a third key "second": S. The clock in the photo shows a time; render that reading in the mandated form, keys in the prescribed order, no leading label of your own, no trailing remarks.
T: {"hour": 1, "minute": 40}
